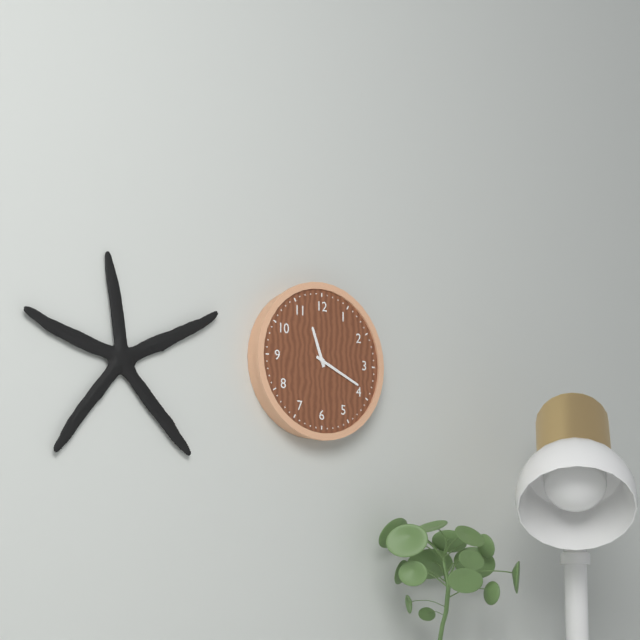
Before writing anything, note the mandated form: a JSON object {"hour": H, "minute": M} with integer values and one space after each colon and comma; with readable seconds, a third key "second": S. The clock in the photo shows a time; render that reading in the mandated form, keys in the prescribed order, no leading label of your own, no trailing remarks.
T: {"hour": 11, "minute": 19}
